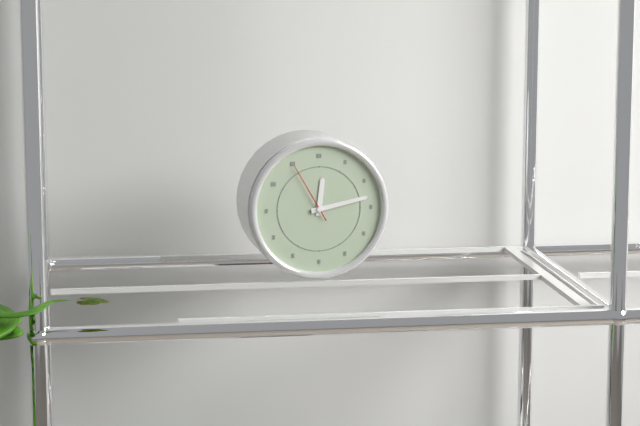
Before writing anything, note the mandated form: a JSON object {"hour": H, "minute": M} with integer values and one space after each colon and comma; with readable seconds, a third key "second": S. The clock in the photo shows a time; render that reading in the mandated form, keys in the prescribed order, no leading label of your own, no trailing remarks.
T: {"hour": 12, "minute": 13, "second": 55}
